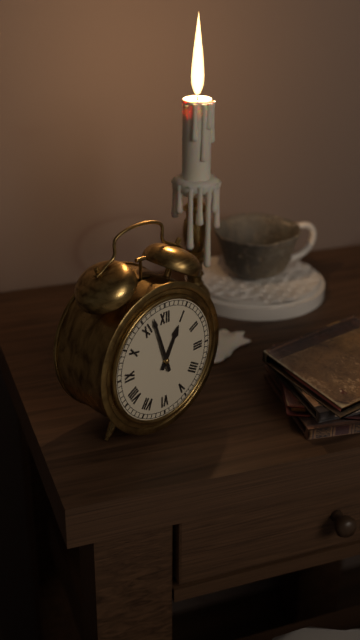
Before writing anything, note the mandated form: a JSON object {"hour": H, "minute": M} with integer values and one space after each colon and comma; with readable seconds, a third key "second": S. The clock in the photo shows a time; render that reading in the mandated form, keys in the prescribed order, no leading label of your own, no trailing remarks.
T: {"hour": 12, "minute": 57}
